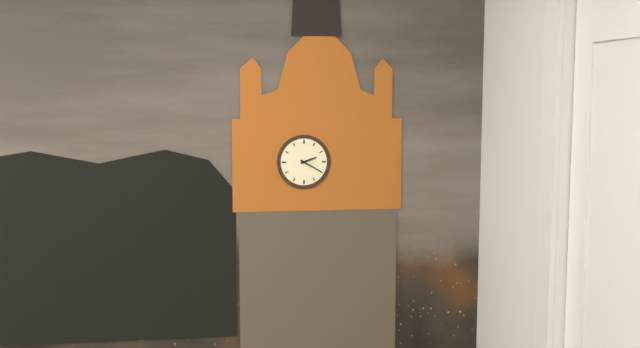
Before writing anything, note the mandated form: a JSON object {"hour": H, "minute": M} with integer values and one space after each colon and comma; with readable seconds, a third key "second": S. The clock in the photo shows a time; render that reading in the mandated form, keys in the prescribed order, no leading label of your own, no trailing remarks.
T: {"hour": 2, "minute": 20}
